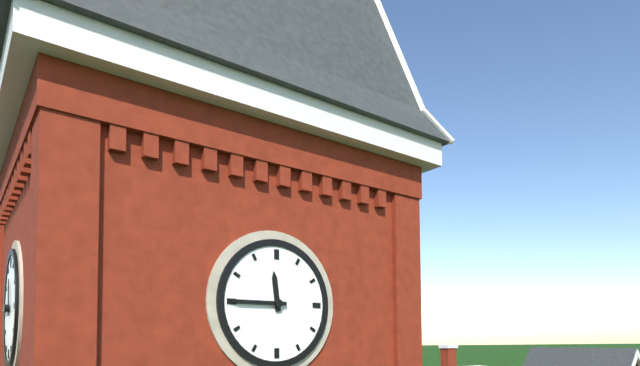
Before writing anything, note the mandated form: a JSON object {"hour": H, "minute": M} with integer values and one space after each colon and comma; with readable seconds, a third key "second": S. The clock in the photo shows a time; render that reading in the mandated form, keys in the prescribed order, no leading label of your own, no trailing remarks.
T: {"hour": 11, "minute": 45}
